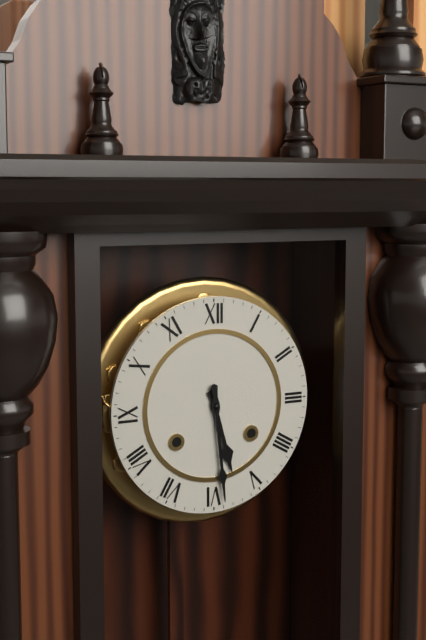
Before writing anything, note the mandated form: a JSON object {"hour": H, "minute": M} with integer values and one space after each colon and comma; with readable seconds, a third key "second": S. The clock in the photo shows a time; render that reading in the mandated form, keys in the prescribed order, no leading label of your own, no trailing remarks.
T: {"hour": 5, "minute": 29}
